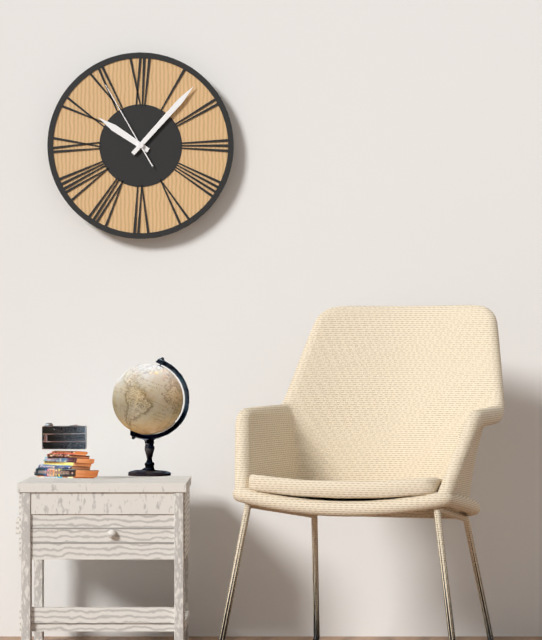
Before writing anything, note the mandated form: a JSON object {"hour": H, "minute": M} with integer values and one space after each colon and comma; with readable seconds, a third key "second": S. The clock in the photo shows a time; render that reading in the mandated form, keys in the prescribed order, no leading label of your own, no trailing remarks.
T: {"hour": 10, "minute": 7, "second": 55}
